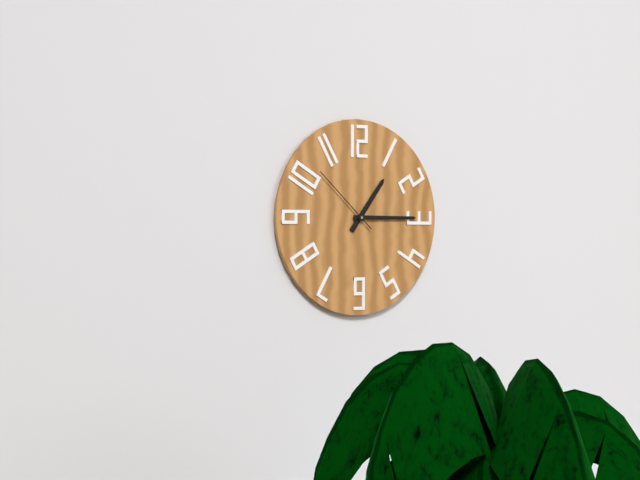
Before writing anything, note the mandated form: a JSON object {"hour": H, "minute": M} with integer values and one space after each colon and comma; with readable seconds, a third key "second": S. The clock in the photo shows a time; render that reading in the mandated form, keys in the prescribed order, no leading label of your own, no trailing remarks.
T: {"hour": 1, "minute": 15, "second": 52}
